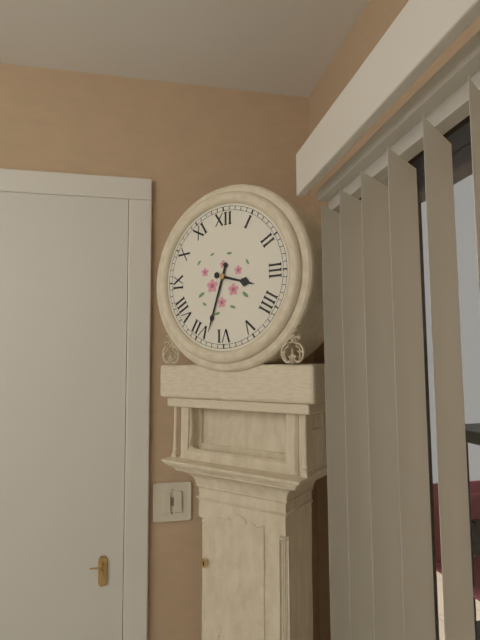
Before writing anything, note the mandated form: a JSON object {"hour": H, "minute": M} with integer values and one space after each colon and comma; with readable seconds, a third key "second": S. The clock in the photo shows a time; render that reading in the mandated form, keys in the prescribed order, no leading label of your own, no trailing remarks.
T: {"hour": 3, "minute": 33}
